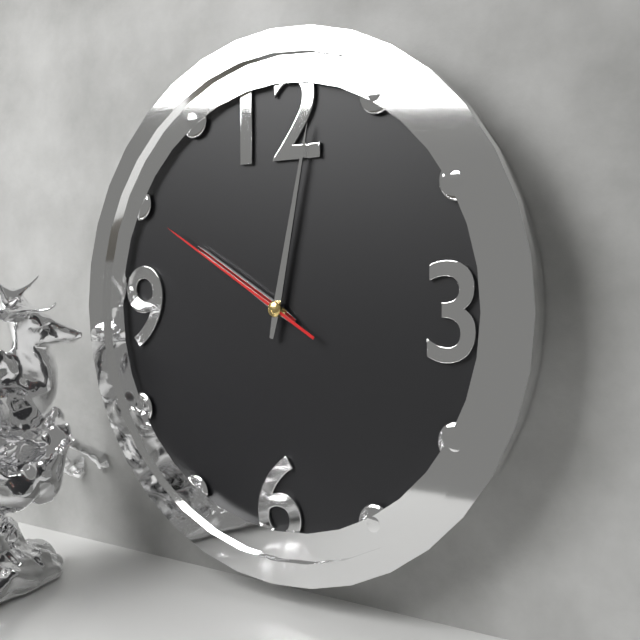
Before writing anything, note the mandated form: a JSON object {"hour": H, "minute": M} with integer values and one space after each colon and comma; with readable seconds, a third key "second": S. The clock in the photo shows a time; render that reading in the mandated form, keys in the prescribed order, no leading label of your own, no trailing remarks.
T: {"hour": 10, "minute": 2, "second": 50}
